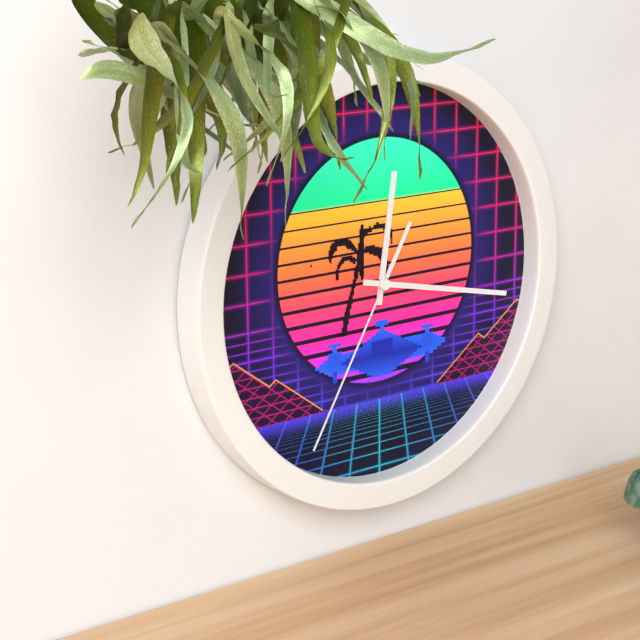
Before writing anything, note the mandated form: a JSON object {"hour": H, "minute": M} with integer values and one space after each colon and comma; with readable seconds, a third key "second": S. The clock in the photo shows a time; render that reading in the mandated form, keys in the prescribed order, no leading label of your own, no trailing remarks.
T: {"hour": 12, "minute": 17, "second": 35}
